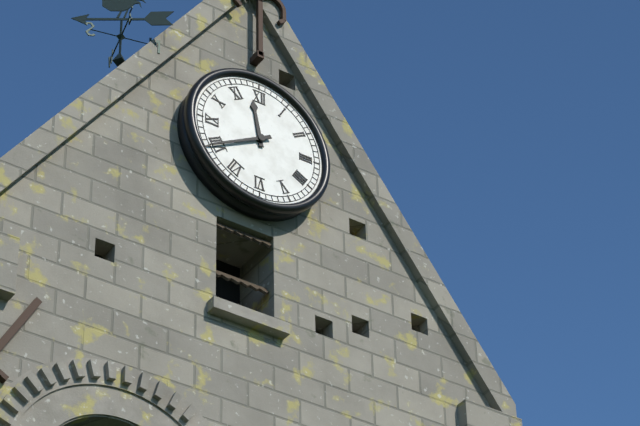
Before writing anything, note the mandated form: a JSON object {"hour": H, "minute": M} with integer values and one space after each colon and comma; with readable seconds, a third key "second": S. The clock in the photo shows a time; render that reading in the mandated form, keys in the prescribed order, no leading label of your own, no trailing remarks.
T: {"hour": 11, "minute": 40}
